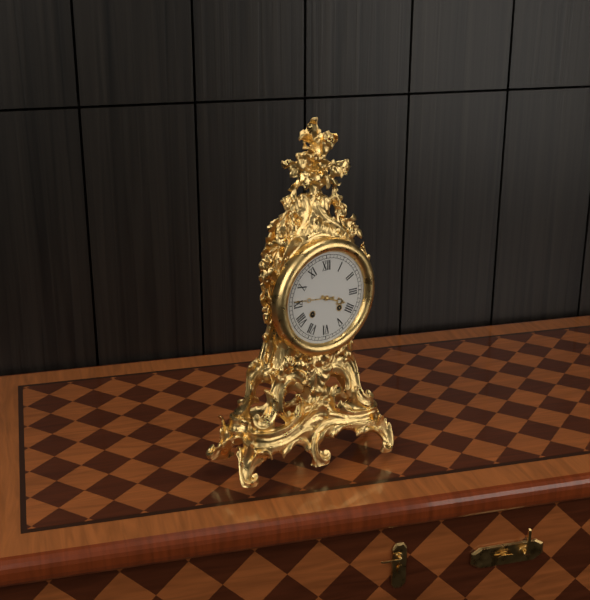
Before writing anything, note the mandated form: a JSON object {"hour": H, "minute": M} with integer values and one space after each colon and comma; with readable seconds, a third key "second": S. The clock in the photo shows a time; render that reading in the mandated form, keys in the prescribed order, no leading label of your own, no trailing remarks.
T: {"hour": 3, "minute": 46}
